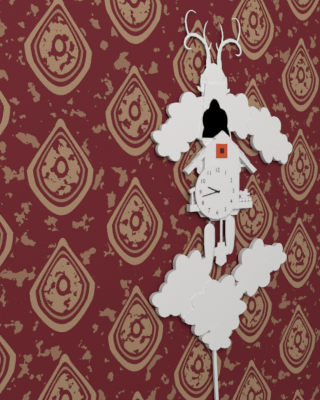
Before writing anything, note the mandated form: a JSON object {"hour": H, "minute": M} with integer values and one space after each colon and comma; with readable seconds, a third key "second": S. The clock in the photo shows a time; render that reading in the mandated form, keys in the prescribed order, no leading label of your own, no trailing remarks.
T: {"hour": 9, "minute": 43}
